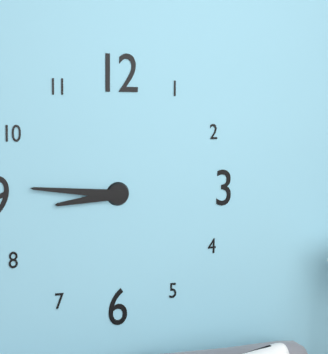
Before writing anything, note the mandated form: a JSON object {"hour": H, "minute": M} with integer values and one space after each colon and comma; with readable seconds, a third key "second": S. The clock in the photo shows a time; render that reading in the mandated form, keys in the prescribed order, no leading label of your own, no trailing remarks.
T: {"hour": 8, "minute": 46}
